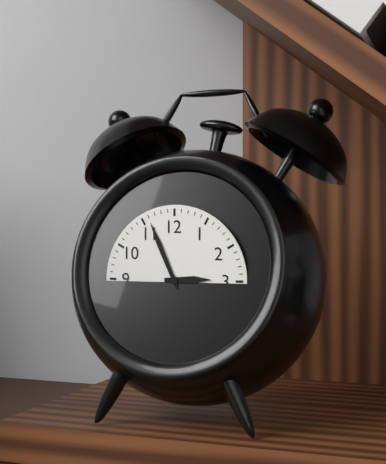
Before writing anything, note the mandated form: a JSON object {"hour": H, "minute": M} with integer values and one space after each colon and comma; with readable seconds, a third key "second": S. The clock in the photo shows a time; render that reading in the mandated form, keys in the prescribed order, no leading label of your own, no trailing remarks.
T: {"hour": 2, "minute": 56}
